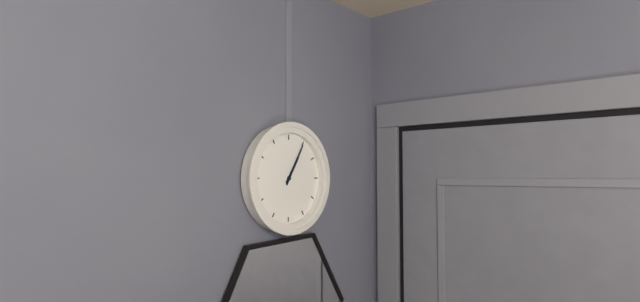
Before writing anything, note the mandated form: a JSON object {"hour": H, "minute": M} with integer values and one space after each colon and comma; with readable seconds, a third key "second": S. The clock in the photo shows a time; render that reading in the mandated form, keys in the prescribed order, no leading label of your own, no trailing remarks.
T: {"hour": 1, "minute": 5}
